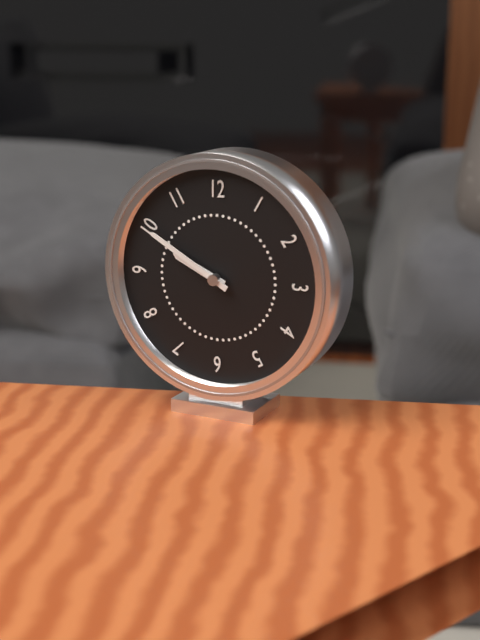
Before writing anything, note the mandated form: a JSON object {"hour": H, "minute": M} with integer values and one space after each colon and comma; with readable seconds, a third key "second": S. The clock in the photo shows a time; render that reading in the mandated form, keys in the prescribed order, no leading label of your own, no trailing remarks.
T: {"hour": 9, "minute": 50}
